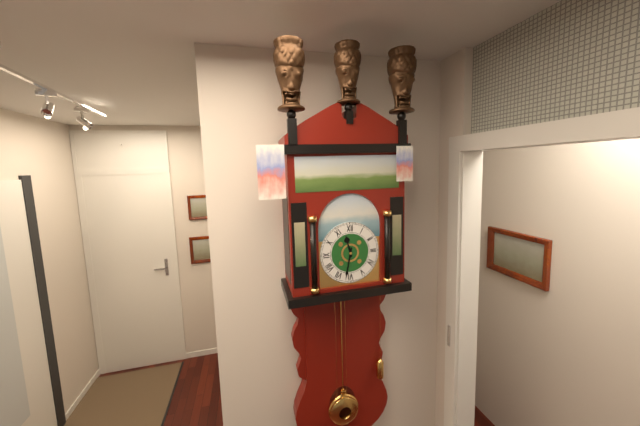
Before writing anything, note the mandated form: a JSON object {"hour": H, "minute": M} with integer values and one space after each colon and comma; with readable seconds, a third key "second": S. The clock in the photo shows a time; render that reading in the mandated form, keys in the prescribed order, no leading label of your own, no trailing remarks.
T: {"hour": 11, "minute": 32}
